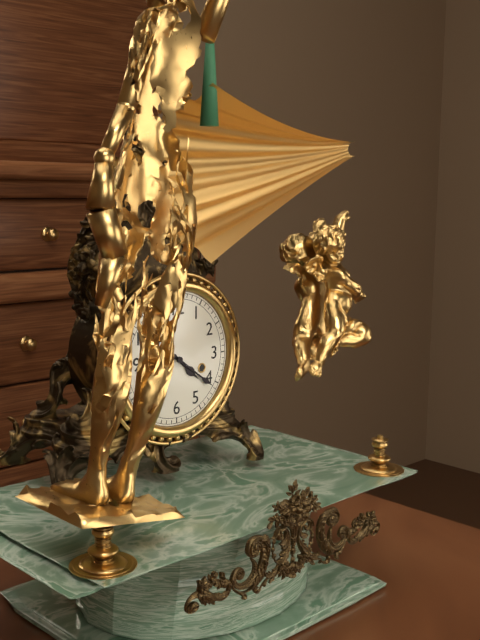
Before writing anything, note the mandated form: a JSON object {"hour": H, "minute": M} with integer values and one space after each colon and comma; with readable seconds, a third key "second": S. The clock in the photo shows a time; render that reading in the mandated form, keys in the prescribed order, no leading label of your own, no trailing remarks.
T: {"hour": 4, "minute": 21}
